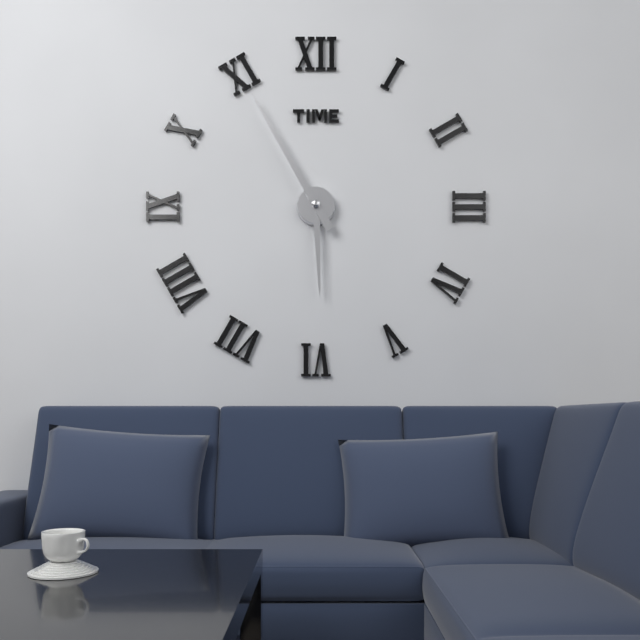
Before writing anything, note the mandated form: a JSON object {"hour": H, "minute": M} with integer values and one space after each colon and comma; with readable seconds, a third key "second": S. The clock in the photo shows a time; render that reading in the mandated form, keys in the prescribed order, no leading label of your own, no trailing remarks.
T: {"hour": 5, "minute": 55}
